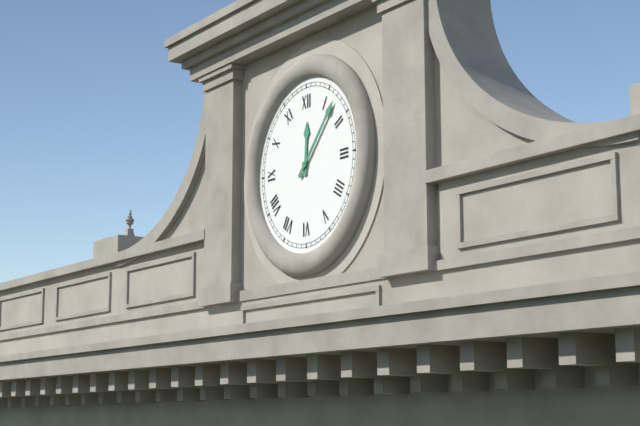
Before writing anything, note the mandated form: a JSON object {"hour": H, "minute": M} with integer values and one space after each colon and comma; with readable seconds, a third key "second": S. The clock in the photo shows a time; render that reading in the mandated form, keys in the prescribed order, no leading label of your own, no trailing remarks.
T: {"hour": 12, "minute": 7}
